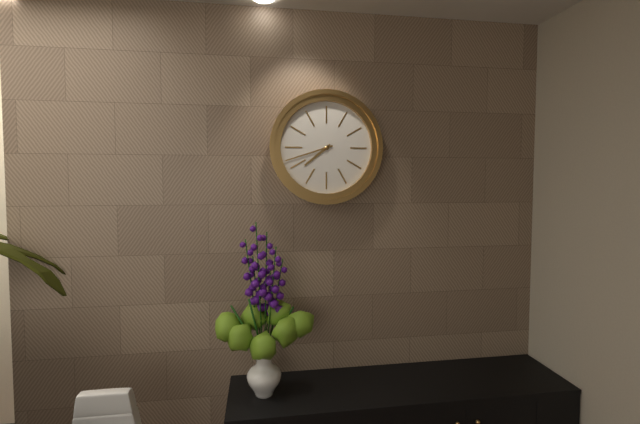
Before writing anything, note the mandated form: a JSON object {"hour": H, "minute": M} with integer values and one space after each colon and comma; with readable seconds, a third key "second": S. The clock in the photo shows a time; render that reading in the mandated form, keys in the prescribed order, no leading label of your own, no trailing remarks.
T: {"hour": 7, "minute": 42}
